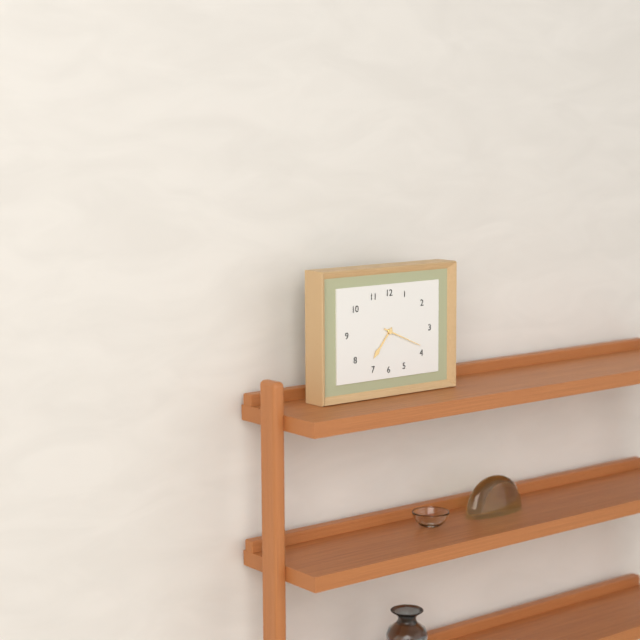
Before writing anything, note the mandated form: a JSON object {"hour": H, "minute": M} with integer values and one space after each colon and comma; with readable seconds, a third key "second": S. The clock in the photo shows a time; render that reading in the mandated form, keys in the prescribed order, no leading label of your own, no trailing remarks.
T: {"hour": 7, "minute": 19}
